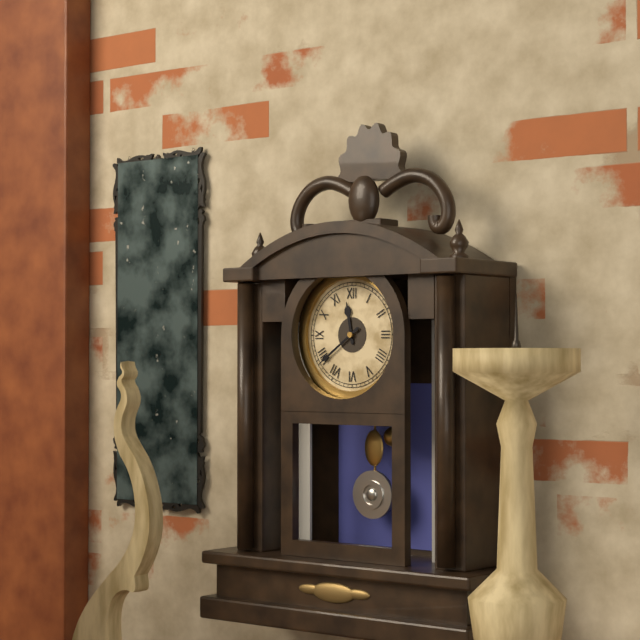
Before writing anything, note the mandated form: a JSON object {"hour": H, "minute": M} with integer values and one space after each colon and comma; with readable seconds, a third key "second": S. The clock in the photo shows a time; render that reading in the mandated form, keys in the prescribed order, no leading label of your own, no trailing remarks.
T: {"hour": 11, "minute": 39}
